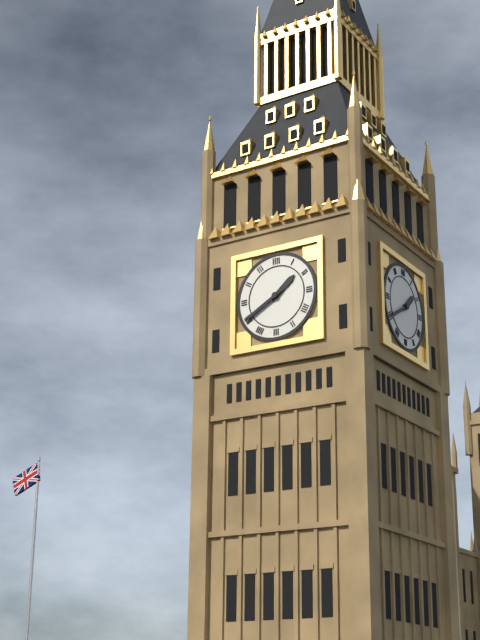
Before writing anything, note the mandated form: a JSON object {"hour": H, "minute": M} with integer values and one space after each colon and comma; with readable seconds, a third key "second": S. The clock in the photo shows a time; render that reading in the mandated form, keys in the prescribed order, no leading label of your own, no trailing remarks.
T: {"hour": 1, "minute": 40}
